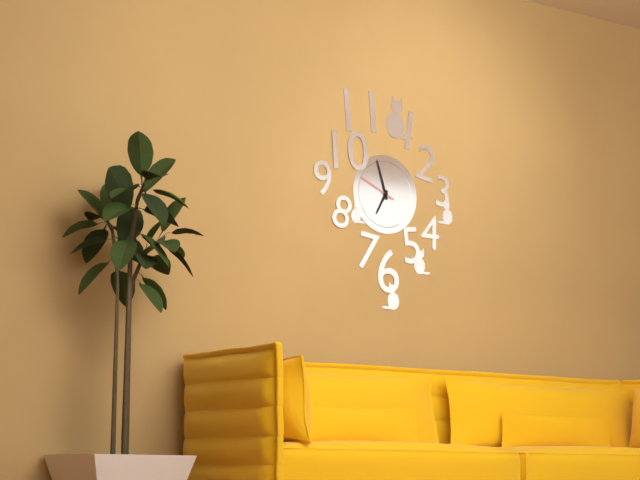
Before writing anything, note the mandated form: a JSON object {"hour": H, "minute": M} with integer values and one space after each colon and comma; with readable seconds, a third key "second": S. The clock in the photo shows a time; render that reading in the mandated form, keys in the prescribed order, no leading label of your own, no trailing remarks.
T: {"hour": 6, "minute": 57}
